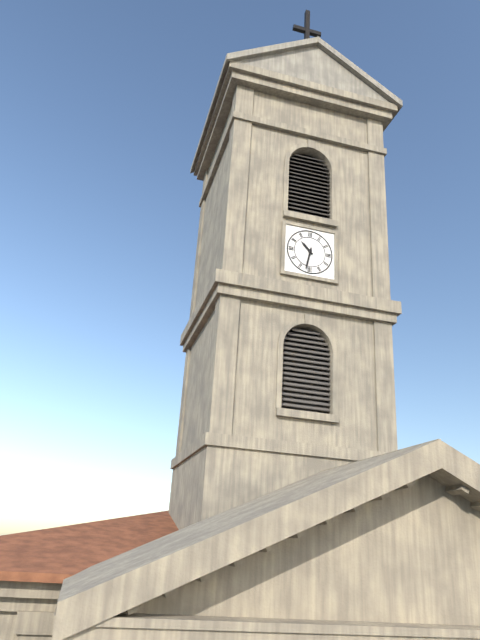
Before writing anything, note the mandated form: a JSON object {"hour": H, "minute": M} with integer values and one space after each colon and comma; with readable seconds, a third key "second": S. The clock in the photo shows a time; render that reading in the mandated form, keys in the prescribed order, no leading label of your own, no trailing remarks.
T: {"hour": 10, "minute": 32}
